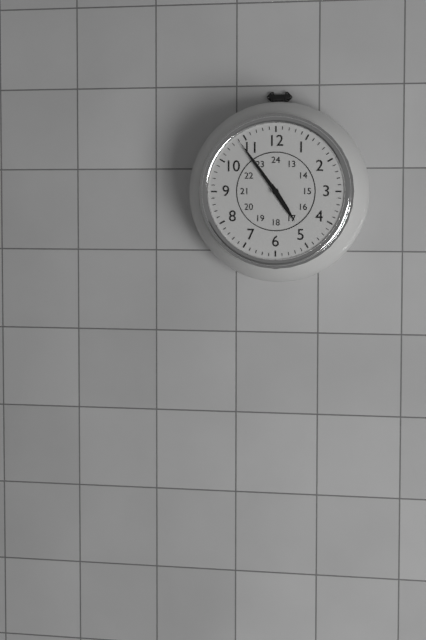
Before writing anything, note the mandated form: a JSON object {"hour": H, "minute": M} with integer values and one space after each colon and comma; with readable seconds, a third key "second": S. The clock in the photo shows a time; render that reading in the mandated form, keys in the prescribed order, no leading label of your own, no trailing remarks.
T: {"hour": 4, "minute": 54}
